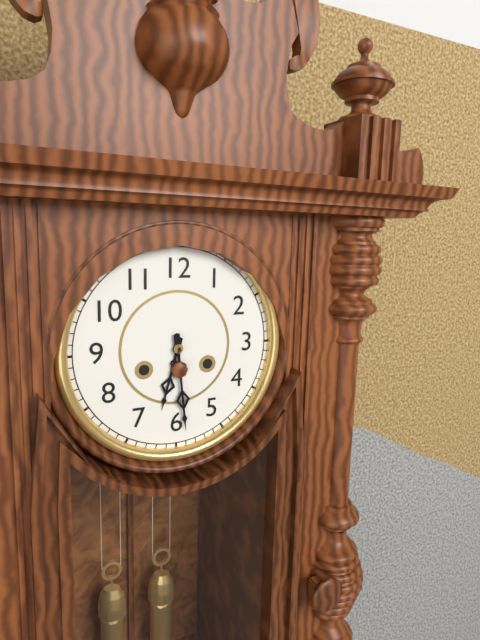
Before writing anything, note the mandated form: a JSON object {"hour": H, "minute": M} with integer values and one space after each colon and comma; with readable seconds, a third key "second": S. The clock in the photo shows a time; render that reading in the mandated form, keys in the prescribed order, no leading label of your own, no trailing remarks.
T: {"hour": 6, "minute": 29}
